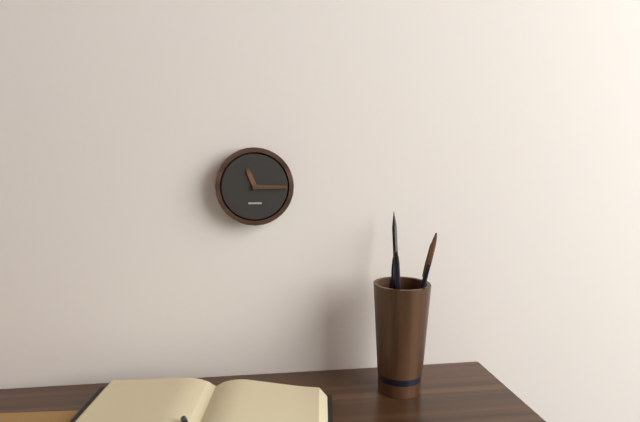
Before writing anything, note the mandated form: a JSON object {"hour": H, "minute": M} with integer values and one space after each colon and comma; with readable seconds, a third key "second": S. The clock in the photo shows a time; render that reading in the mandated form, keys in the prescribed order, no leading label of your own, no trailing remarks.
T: {"hour": 11, "minute": 15}
